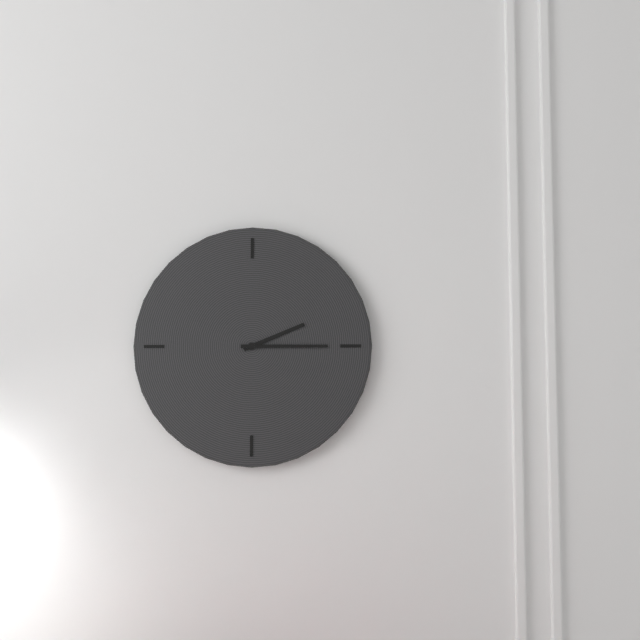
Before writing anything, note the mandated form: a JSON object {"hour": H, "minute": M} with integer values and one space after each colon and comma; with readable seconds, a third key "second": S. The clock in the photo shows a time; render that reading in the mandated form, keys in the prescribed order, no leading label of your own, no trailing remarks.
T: {"hour": 2, "minute": 15}
